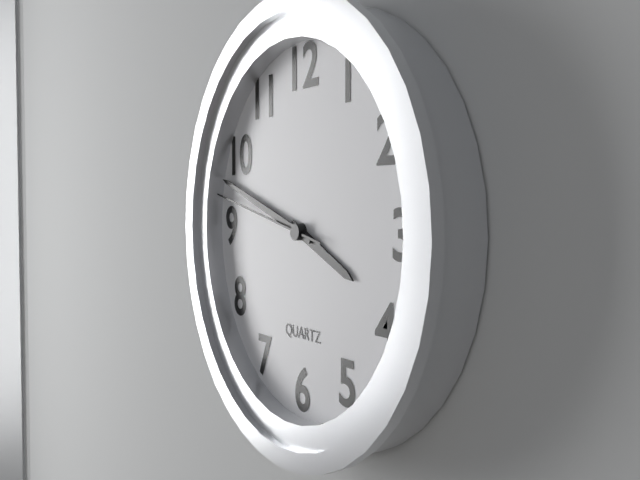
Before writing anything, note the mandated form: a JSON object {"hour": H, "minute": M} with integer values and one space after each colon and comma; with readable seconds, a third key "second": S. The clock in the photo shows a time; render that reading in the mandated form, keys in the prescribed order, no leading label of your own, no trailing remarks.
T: {"hour": 3, "minute": 48, "second": 47}
